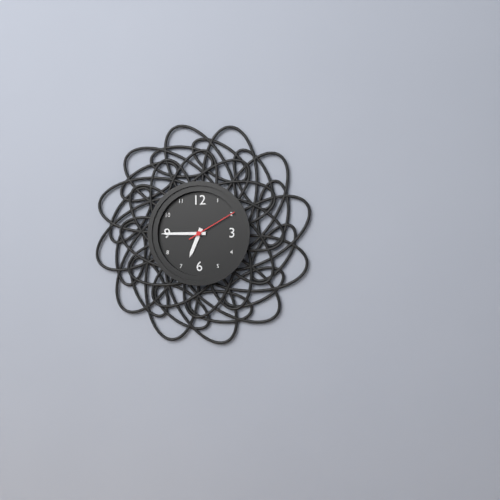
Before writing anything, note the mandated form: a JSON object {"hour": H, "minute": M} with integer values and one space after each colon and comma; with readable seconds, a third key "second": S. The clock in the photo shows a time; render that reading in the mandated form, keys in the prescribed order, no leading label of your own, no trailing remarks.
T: {"hour": 6, "minute": 45, "second": 10}
